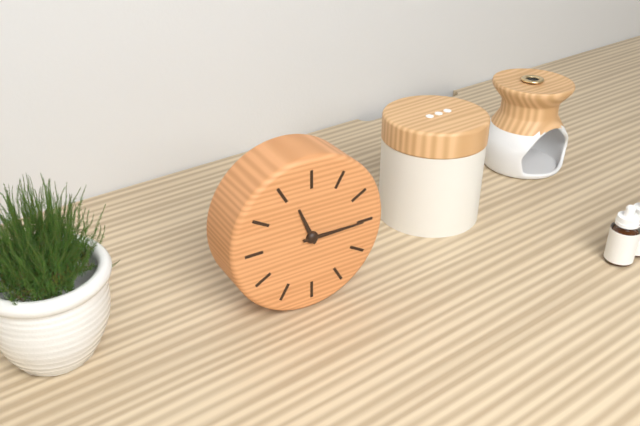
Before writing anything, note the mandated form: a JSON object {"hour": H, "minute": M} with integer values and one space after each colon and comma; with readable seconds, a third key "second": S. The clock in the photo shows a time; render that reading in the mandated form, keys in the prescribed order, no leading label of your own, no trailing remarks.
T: {"hour": 11, "minute": 15}
